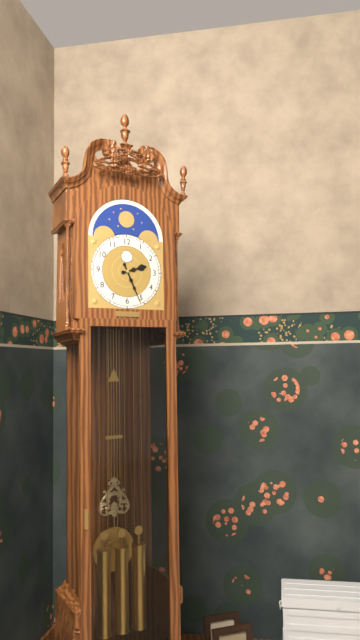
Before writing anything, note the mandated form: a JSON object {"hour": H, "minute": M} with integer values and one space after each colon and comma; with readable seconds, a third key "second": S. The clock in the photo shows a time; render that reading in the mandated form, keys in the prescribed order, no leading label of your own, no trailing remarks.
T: {"hour": 2, "minute": 26}
